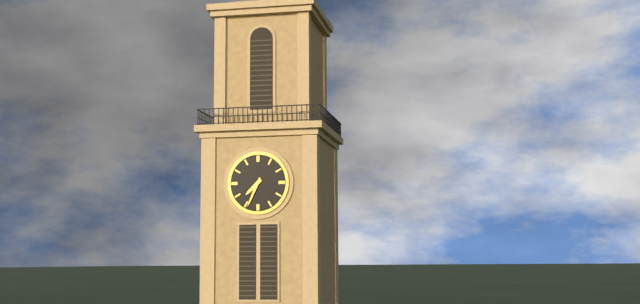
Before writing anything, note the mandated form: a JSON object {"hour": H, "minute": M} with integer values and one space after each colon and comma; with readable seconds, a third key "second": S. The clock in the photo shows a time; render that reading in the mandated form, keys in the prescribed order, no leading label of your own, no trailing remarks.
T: {"hour": 7, "minute": 34}
